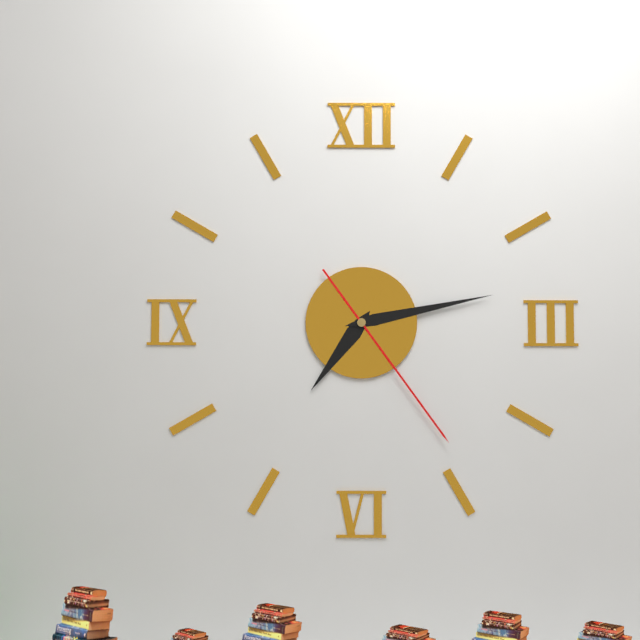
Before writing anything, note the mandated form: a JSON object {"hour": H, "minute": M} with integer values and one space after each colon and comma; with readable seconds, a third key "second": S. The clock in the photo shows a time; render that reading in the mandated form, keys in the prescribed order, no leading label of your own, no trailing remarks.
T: {"hour": 7, "minute": 13, "second": 24}
